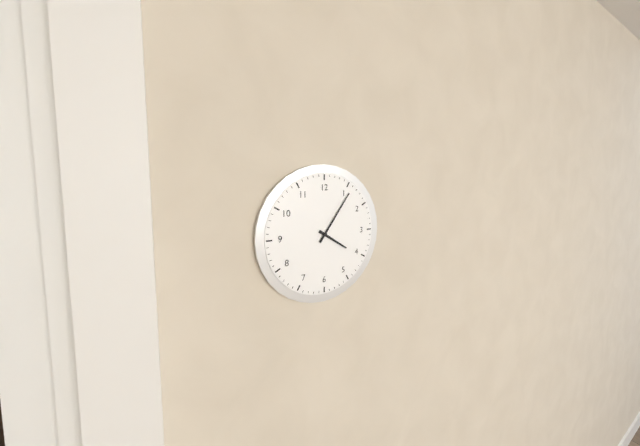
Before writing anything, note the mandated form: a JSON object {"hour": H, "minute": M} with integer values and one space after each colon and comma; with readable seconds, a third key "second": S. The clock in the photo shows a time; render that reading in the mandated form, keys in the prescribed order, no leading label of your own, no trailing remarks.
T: {"hour": 4, "minute": 6}
